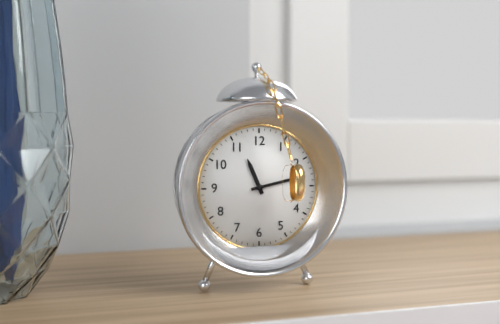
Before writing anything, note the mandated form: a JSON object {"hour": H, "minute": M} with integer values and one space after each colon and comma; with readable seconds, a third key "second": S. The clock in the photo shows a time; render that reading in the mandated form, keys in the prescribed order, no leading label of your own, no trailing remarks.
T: {"hour": 11, "minute": 13}
